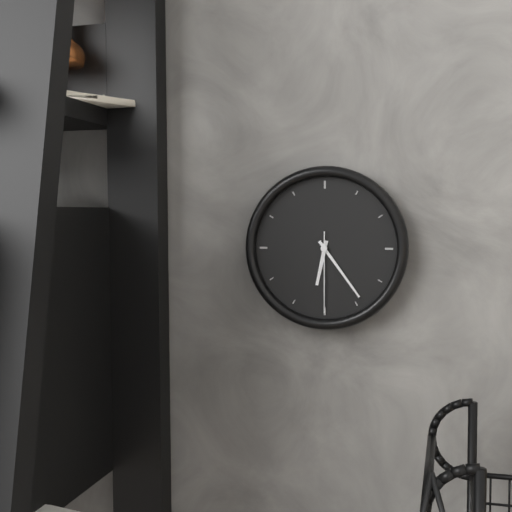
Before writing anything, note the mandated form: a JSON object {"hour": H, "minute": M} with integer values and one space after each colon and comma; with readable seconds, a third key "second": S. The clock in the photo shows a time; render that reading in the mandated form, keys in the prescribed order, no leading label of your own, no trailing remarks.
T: {"hour": 6, "minute": 24, "second": 30}
